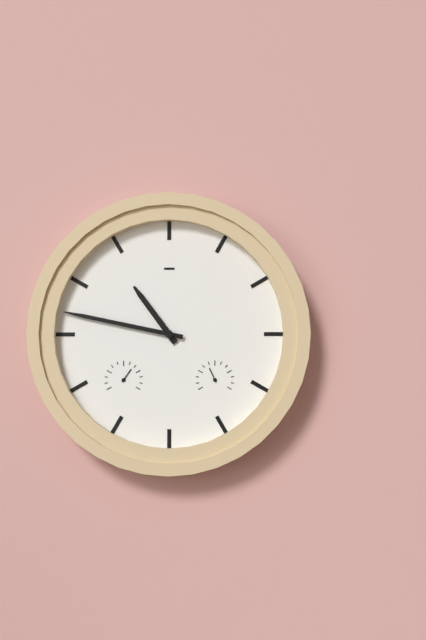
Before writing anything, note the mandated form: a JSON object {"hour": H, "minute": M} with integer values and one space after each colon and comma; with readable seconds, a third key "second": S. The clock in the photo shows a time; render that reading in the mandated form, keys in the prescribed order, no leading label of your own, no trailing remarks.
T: {"hour": 10, "minute": 47}
